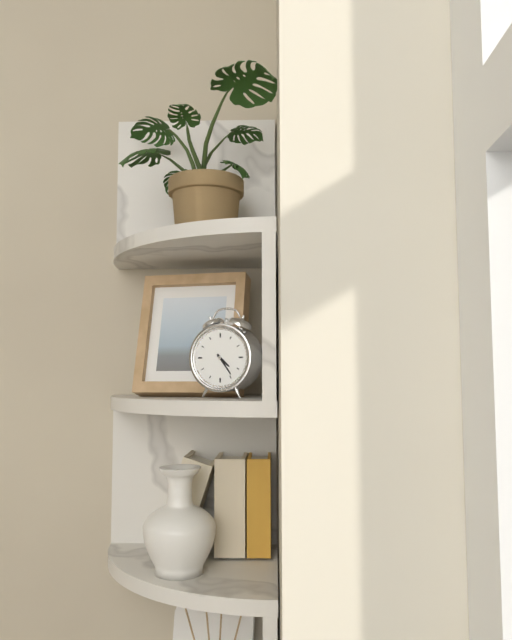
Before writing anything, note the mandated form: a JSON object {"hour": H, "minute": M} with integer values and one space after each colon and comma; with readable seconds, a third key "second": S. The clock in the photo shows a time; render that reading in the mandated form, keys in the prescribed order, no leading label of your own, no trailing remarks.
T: {"hour": 4, "minute": 24}
